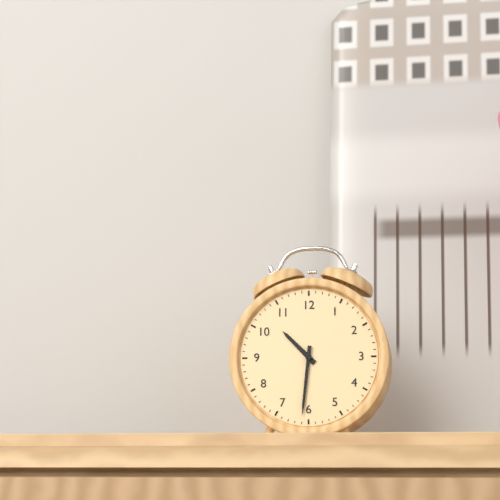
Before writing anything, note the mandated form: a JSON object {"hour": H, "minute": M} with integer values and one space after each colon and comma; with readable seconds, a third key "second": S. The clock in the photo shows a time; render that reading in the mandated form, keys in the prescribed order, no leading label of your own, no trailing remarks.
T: {"hour": 10, "minute": 31}
